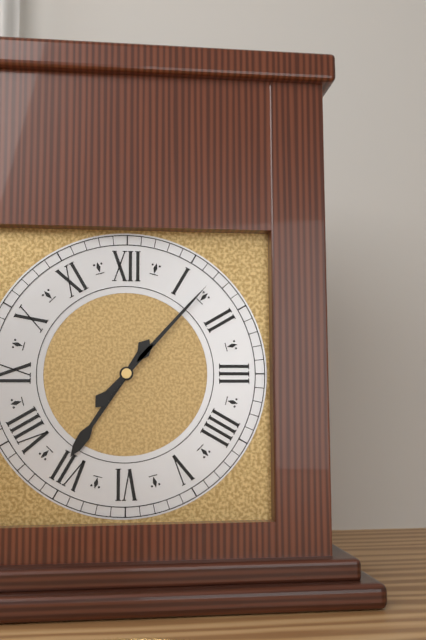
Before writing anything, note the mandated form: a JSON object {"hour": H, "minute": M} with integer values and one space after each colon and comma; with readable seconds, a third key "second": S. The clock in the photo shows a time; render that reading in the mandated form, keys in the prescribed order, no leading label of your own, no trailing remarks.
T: {"hour": 7, "minute": 7}
